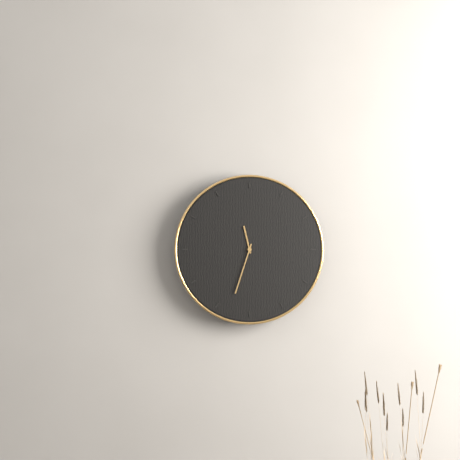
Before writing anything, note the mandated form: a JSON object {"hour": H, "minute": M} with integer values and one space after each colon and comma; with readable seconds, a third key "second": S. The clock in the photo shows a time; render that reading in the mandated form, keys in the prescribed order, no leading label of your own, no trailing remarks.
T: {"hour": 11, "minute": 33}
